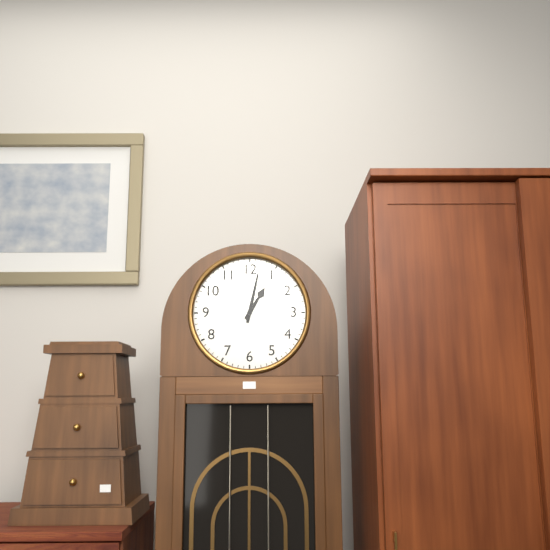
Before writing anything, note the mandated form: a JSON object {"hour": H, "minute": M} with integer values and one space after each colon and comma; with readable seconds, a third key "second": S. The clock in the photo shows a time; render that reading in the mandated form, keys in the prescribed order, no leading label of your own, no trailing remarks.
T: {"hour": 1, "minute": 2}
